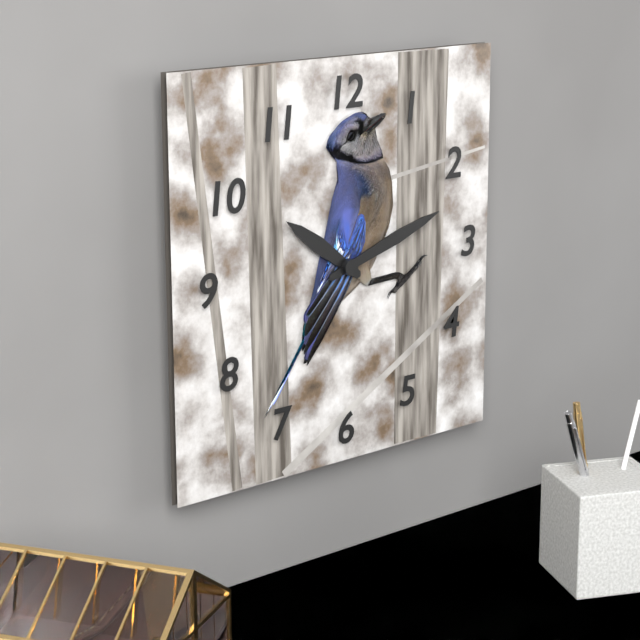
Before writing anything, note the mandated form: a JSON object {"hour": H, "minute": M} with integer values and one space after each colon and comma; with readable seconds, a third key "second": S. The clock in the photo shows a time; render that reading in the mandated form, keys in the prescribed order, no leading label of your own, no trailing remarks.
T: {"hour": 10, "minute": 12}
